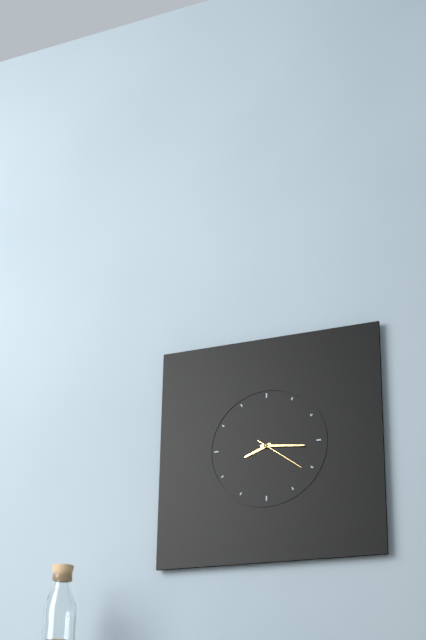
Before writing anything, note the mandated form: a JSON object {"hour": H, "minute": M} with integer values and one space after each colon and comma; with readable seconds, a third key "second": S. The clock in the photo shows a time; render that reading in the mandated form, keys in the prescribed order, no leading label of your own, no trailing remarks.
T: {"hour": 8, "minute": 16, "second": 21}
